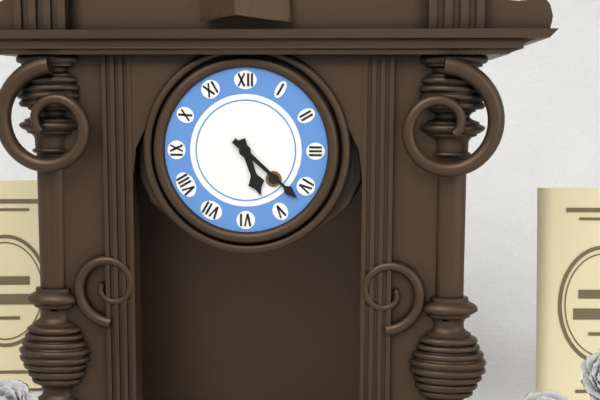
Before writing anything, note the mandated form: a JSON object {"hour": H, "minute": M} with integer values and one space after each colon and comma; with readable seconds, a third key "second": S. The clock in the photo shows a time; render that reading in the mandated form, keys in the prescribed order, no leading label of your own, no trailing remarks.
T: {"hour": 5, "minute": 22}
